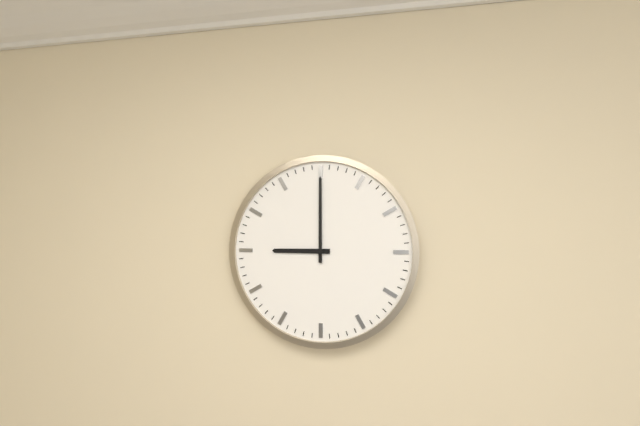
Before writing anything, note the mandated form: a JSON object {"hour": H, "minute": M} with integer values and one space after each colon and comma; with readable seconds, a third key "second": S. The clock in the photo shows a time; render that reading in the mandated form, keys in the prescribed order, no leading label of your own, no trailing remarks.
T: {"hour": 9, "minute": 0}
